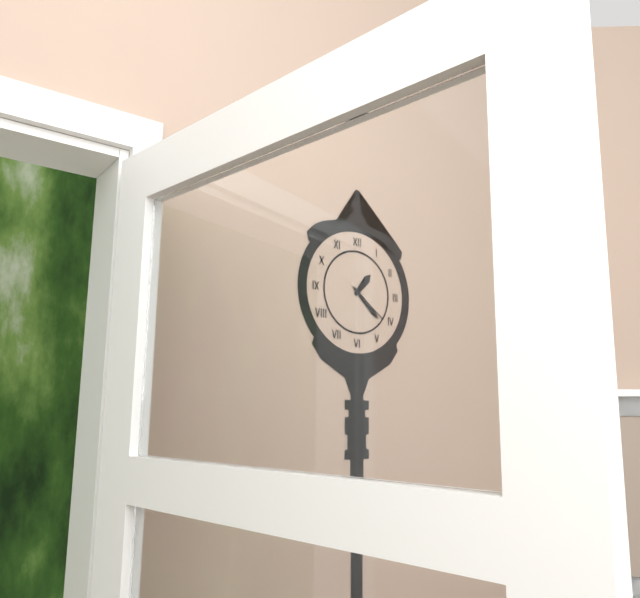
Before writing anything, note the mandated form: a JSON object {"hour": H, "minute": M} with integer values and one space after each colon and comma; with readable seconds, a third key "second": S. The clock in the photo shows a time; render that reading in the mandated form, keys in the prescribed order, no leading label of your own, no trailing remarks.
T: {"hour": 1, "minute": 22}
